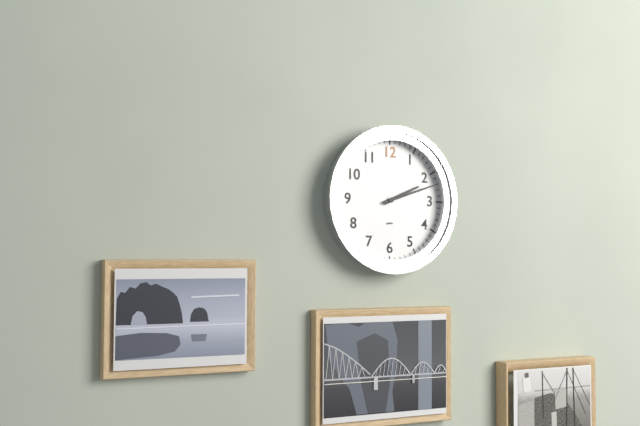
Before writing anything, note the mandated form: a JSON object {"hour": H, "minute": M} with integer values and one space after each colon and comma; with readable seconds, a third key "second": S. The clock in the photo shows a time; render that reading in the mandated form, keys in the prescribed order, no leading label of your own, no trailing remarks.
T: {"hour": 2, "minute": 12}
